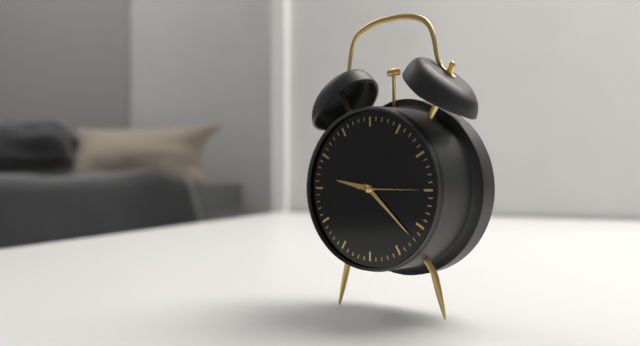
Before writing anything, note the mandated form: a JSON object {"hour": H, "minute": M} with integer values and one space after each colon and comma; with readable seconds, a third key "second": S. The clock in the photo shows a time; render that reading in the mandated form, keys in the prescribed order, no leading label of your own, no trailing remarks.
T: {"hour": 9, "minute": 22, "second": 15}
